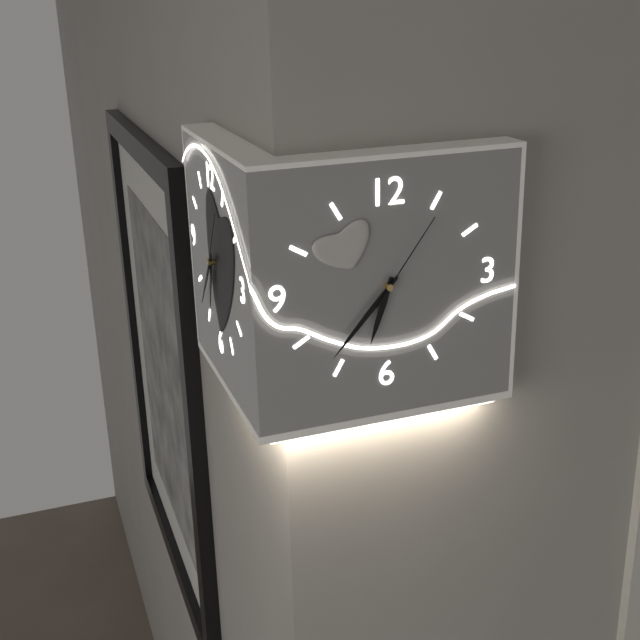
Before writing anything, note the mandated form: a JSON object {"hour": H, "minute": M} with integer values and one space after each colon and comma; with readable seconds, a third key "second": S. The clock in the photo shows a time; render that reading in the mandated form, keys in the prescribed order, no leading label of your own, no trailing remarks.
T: {"hour": 6, "minute": 37, "second": 6}
